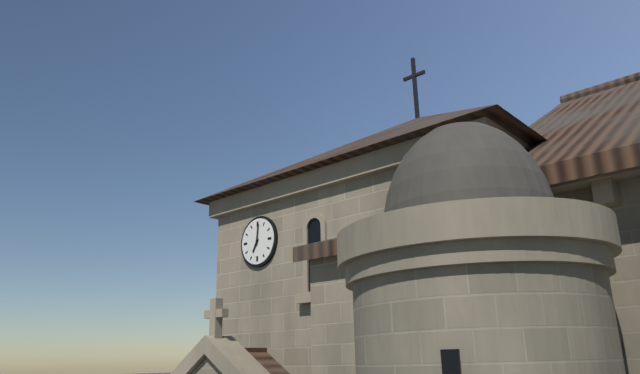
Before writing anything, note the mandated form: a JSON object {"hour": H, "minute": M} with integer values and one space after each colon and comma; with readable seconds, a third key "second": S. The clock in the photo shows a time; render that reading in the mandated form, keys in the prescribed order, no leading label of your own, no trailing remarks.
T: {"hour": 7, "minute": 1}
